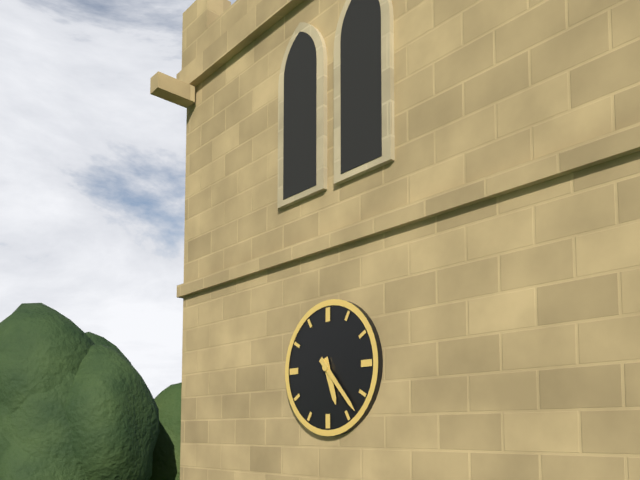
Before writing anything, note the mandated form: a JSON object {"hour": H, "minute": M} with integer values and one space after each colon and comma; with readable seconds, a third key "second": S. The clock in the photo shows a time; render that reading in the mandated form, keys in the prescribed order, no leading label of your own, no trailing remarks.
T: {"hour": 5, "minute": 23}
